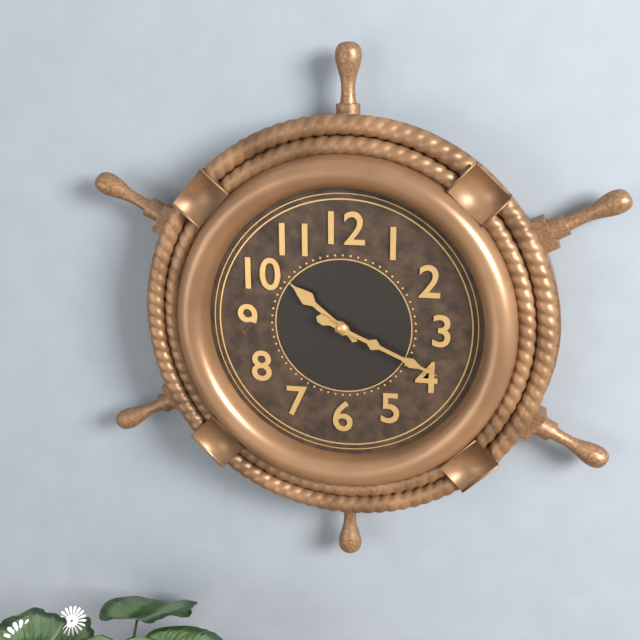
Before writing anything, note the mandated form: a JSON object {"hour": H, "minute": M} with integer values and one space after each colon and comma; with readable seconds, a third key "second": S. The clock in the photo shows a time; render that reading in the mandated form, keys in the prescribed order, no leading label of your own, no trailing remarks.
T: {"hour": 10, "minute": 19}
